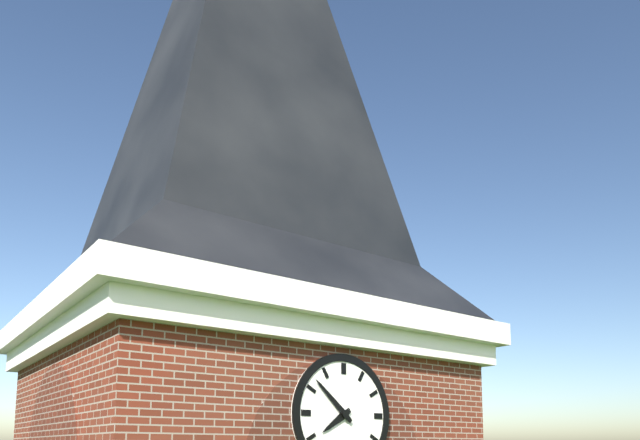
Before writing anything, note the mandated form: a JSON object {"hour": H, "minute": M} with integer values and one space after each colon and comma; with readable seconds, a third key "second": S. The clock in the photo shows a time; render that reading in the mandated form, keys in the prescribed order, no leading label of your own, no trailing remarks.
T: {"hour": 7, "minute": 52}
